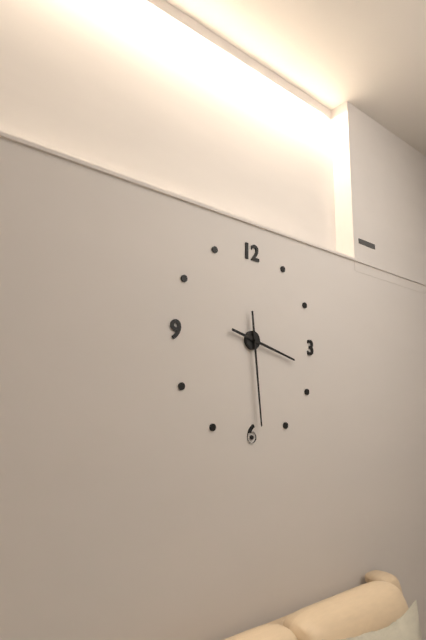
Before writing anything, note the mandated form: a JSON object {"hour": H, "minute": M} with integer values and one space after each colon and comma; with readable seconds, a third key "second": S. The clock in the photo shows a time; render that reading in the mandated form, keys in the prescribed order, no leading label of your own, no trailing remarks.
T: {"hour": 3, "minute": 29}
